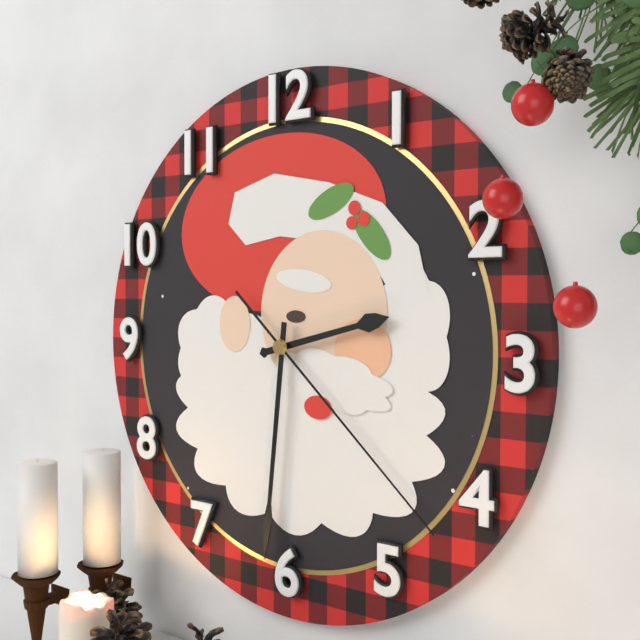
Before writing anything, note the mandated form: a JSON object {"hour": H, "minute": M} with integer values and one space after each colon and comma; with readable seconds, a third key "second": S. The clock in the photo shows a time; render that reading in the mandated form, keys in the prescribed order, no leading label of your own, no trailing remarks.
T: {"hour": 2, "minute": 31, "second": 22}
